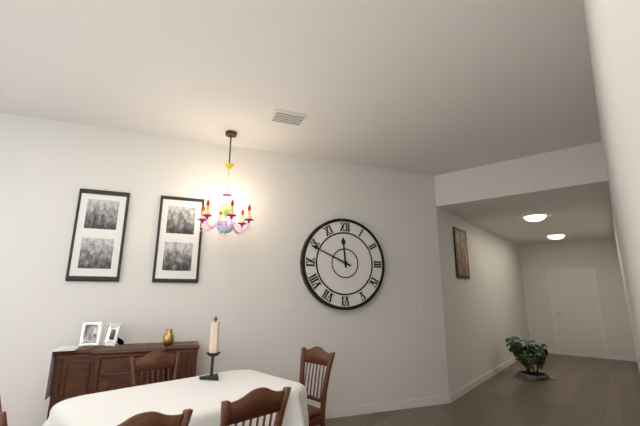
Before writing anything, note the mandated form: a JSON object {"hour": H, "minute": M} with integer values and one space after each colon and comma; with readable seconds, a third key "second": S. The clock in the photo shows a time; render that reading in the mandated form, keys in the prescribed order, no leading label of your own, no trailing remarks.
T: {"hour": 11, "minute": 49}
